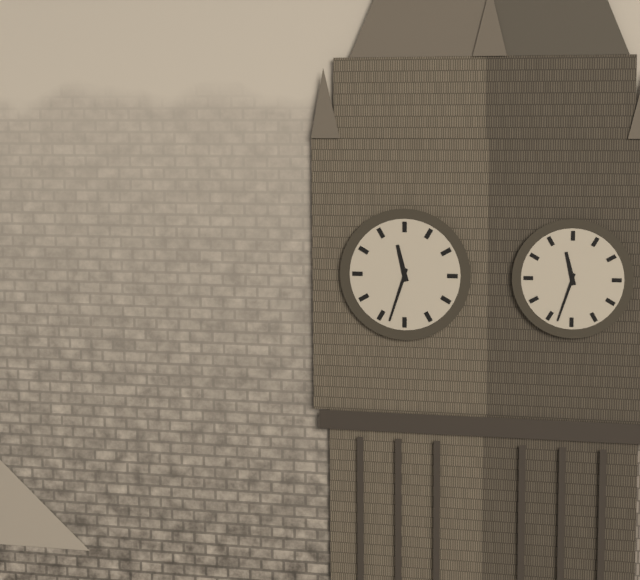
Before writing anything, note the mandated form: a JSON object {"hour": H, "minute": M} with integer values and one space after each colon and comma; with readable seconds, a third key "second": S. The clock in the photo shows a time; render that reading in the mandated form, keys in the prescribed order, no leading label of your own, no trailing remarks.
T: {"hour": 11, "minute": 33}
